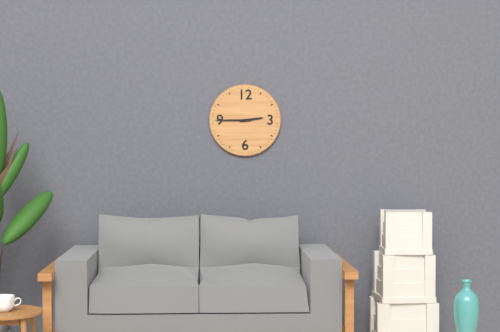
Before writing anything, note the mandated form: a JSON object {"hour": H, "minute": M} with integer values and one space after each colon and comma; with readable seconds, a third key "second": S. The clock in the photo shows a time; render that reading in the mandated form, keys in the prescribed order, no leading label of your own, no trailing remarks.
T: {"hour": 2, "minute": 45}
